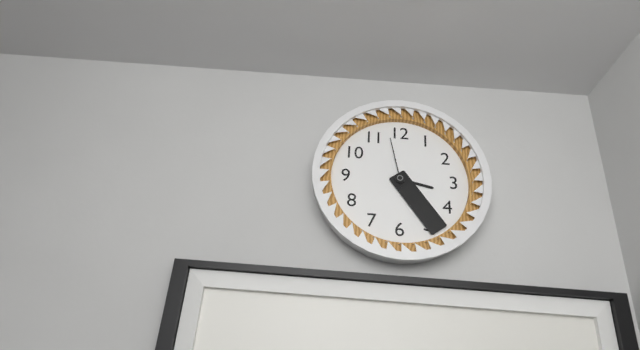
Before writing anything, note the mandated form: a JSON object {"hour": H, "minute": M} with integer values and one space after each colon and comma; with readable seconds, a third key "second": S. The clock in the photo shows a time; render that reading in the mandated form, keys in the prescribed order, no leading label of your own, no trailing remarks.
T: {"hour": 3, "minute": 24, "second": 58}
